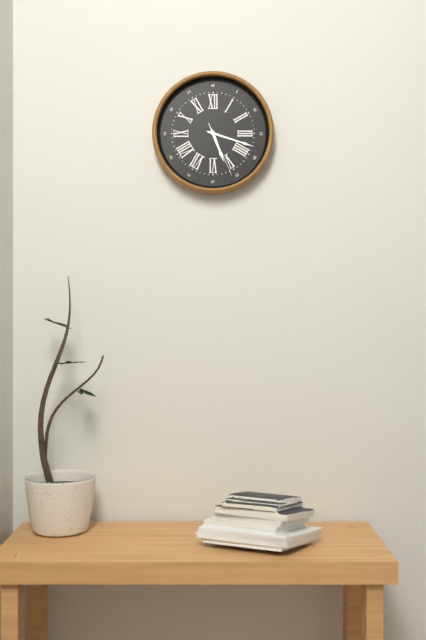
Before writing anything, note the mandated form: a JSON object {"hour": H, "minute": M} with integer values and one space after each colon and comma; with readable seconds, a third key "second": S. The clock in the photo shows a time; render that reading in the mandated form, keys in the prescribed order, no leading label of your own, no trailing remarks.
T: {"hour": 5, "minute": 18, "second": 26}
